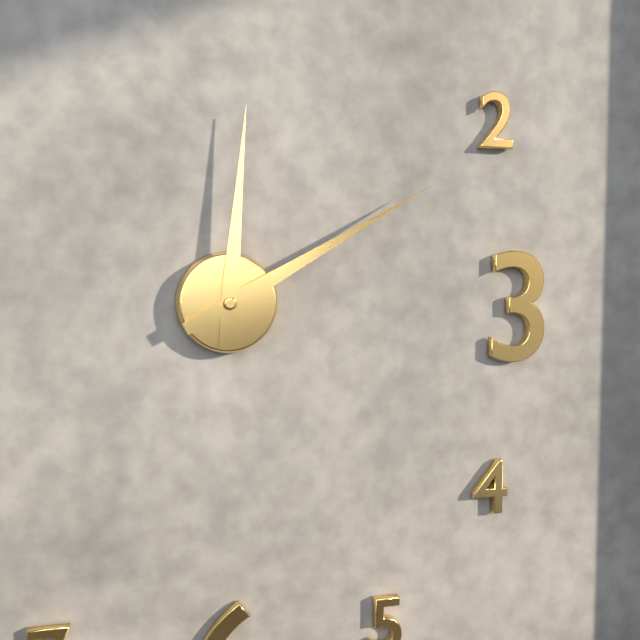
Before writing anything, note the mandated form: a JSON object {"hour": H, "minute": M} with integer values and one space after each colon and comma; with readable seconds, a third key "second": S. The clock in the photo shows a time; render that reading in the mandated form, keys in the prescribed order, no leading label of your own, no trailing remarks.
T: {"hour": 12, "minute": 10}
